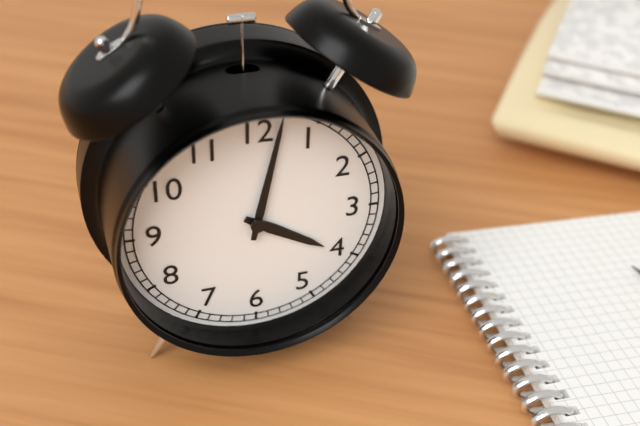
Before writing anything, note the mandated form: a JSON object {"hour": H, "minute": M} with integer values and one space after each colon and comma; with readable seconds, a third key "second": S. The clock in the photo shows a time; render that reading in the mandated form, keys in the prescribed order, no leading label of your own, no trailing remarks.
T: {"hour": 4, "minute": 2}
